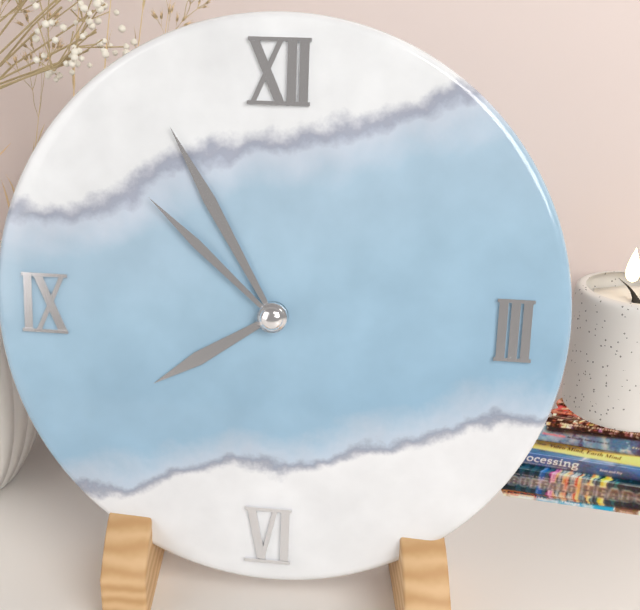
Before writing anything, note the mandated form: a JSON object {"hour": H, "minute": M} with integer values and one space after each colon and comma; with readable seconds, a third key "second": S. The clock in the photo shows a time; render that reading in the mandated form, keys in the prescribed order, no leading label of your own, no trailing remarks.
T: {"hour": 7, "minute": 55, "second": 52}
